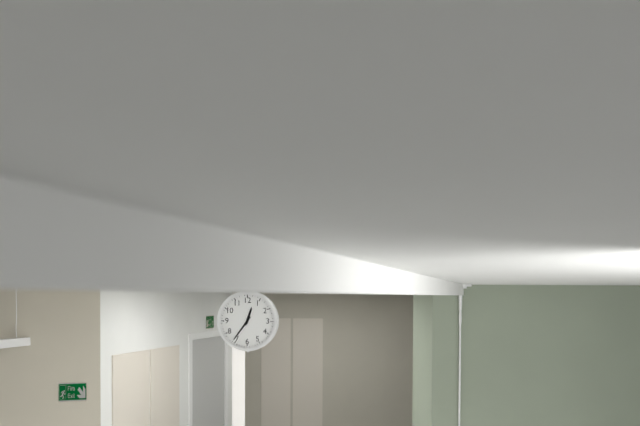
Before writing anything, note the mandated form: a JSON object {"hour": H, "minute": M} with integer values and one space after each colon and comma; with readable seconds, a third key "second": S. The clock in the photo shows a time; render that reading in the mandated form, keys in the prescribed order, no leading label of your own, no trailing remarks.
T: {"hour": 12, "minute": 36}
